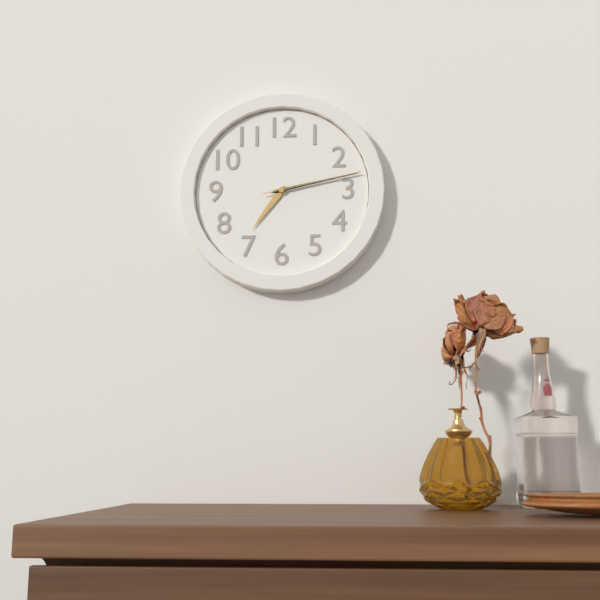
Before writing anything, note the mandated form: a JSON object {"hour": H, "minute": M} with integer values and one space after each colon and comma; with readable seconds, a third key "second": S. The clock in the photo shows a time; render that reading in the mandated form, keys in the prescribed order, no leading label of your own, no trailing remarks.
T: {"hour": 7, "minute": 13, "second": 13}
